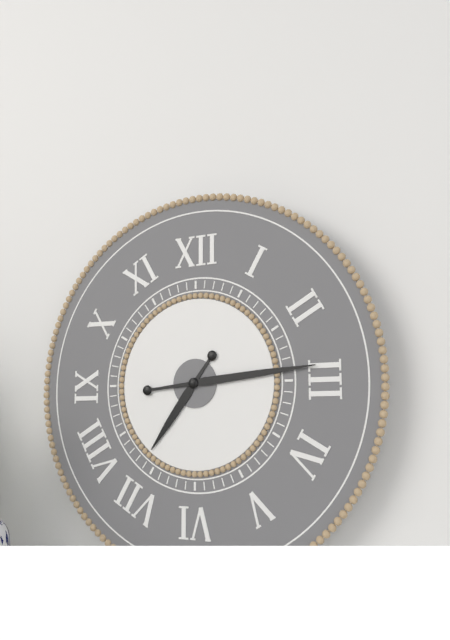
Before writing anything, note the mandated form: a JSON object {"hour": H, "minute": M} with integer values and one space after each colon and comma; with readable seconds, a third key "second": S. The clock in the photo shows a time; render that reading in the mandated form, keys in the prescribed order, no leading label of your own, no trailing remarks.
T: {"hour": 7, "minute": 14}
